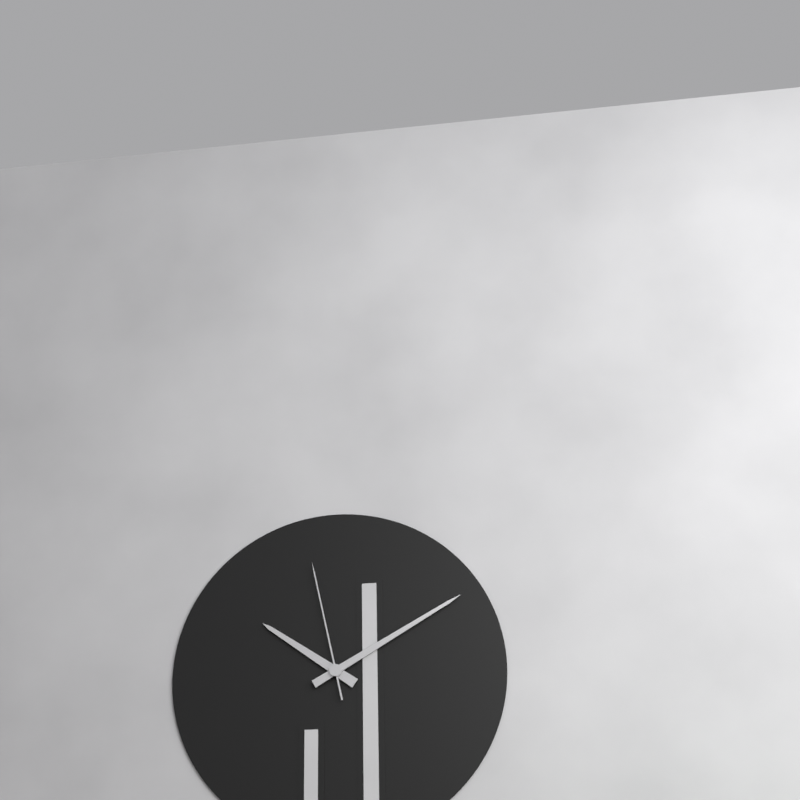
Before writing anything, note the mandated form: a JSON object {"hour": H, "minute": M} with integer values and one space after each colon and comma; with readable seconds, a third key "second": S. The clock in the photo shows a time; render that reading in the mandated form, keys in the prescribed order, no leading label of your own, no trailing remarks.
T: {"hour": 10, "minute": 10, "second": 58}
